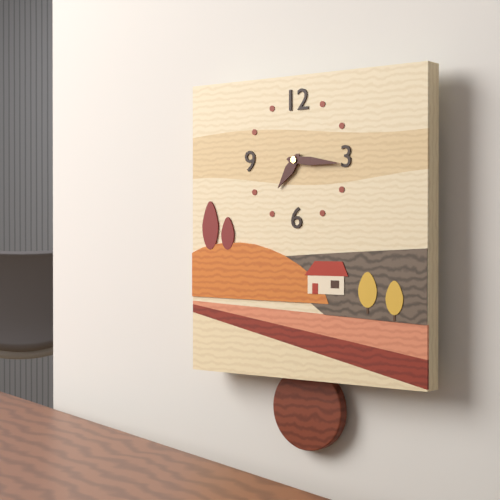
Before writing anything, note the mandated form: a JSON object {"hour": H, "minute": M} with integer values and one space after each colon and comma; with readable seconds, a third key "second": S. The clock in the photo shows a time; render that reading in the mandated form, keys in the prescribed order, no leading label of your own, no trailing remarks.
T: {"hour": 7, "minute": 16}
